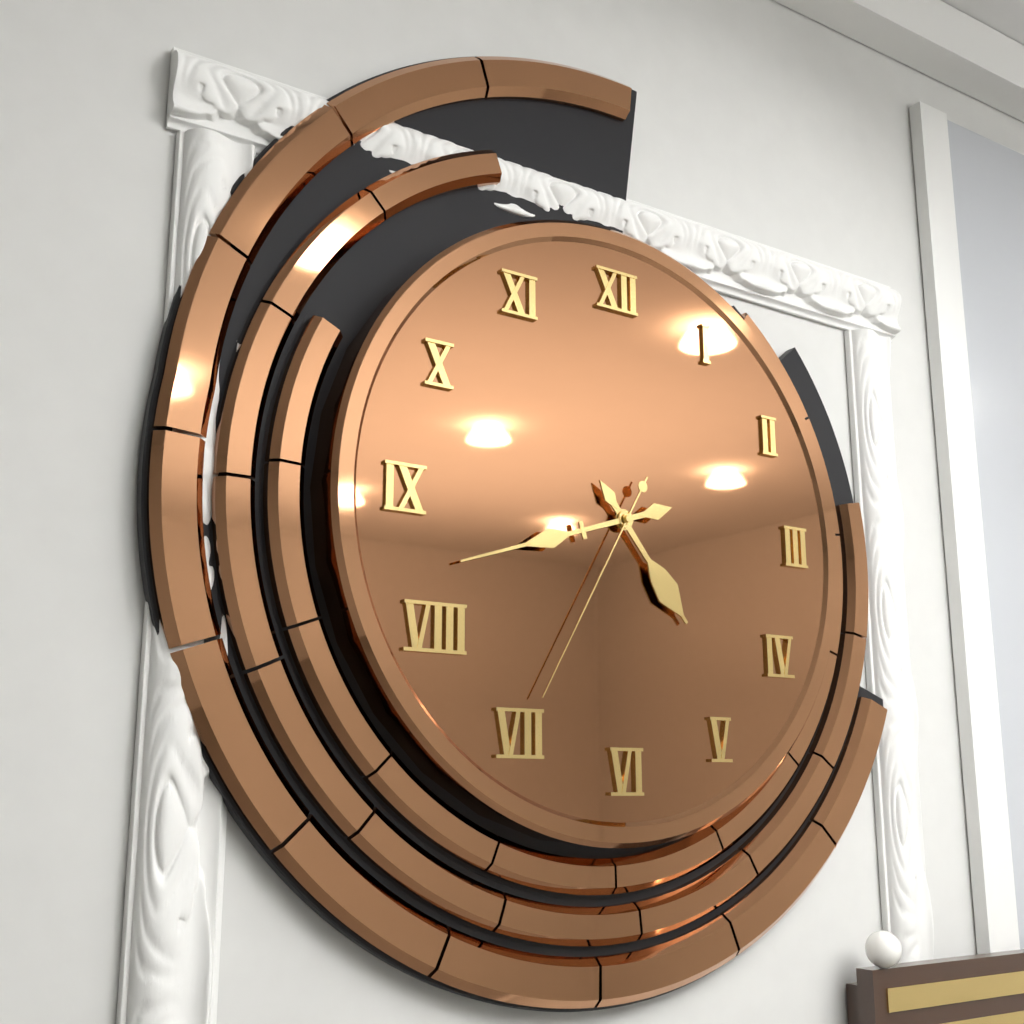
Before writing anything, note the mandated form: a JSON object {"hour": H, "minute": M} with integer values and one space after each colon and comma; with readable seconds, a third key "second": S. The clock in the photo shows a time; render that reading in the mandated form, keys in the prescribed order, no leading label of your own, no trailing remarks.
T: {"hour": 4, "minute": 42, "second": 35}
